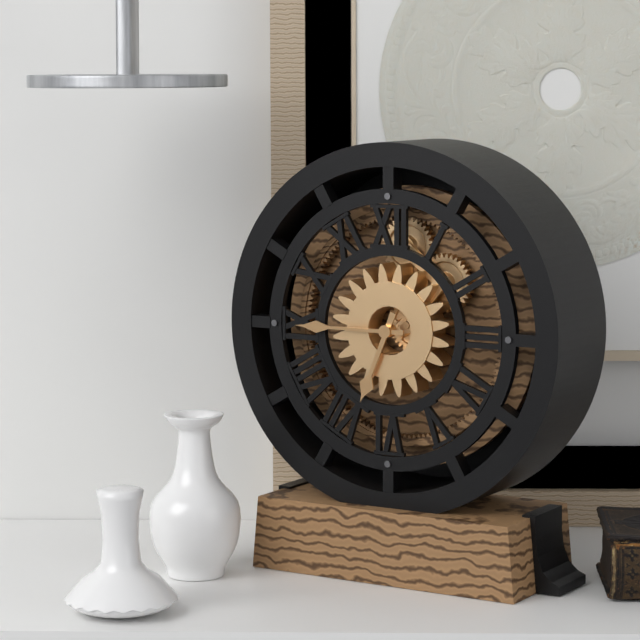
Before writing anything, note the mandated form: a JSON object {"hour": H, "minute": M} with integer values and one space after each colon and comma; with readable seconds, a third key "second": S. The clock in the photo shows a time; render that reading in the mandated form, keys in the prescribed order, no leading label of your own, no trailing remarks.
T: {"hour": 6, "minute": 45}
